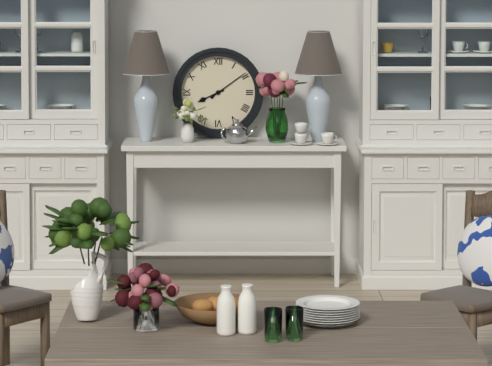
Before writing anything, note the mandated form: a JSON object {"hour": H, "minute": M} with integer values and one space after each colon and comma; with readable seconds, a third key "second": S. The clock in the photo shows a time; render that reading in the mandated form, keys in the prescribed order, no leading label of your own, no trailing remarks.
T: {"hour": 8, "minute": 9}
